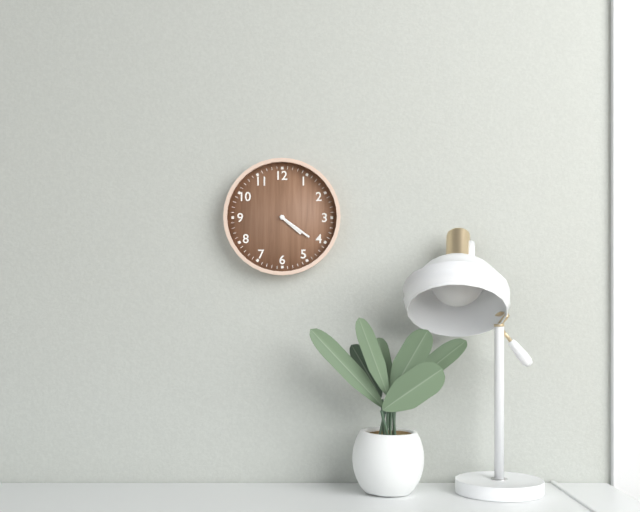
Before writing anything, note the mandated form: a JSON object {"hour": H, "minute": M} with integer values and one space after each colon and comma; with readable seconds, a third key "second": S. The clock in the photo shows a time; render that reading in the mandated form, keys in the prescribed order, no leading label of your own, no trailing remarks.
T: {"hour": 4, "minute": 21}
